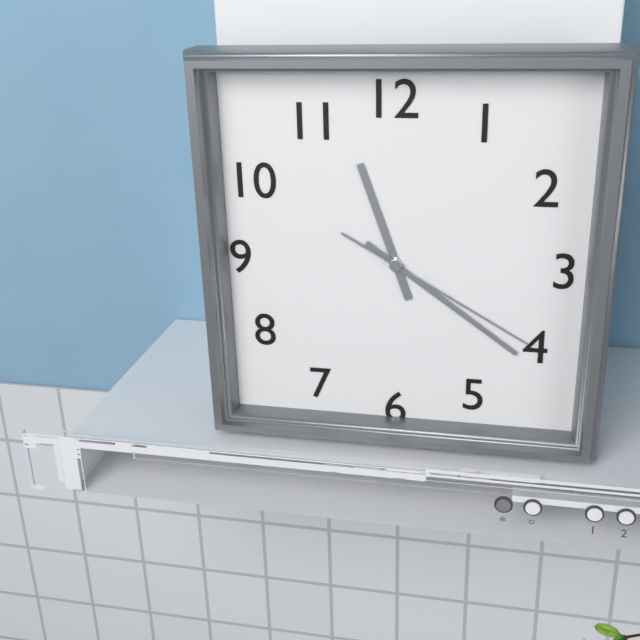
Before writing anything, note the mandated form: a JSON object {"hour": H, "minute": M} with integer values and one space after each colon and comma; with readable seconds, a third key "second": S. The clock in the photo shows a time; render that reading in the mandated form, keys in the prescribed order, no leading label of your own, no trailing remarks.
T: {"hour": 11, "minute": 21, "second": 20}
